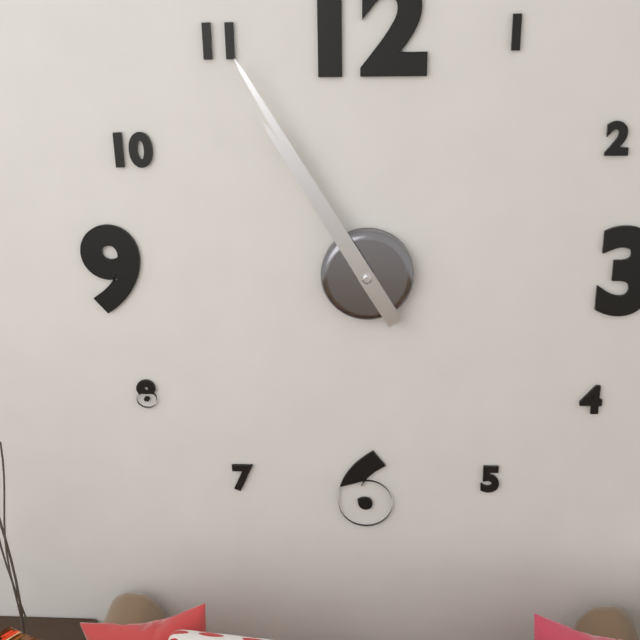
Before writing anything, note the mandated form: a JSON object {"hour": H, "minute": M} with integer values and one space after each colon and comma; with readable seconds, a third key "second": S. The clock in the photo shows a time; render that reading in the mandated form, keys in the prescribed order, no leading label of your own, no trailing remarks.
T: {"hour": 10, "minute": 55}
